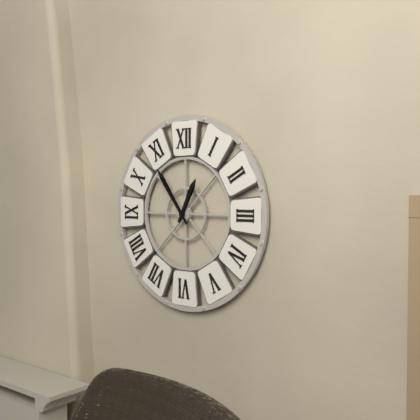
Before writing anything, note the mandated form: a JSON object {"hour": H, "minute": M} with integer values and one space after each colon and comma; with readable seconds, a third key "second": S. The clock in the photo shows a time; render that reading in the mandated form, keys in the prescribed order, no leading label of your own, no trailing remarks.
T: {"hour": 12, "minute": 54}
